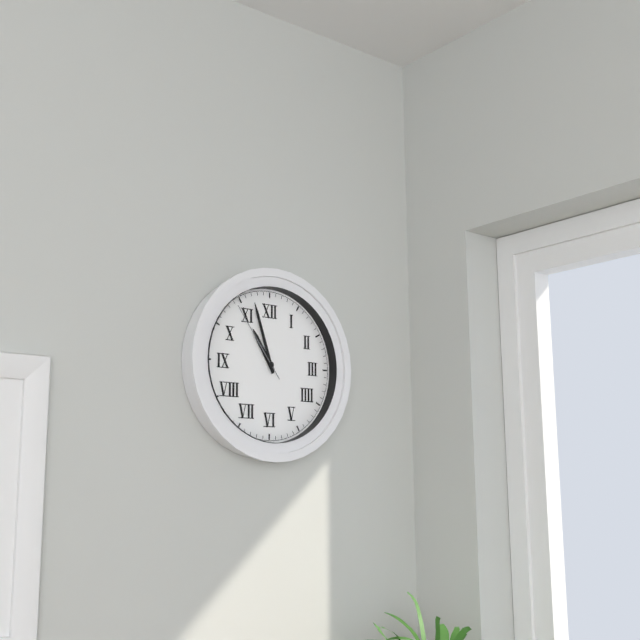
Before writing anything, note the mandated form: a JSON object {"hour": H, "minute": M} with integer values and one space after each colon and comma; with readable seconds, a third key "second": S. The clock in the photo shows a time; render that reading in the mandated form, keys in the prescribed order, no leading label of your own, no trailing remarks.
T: {"hour": 10, "minute": 57, "second": 54}
